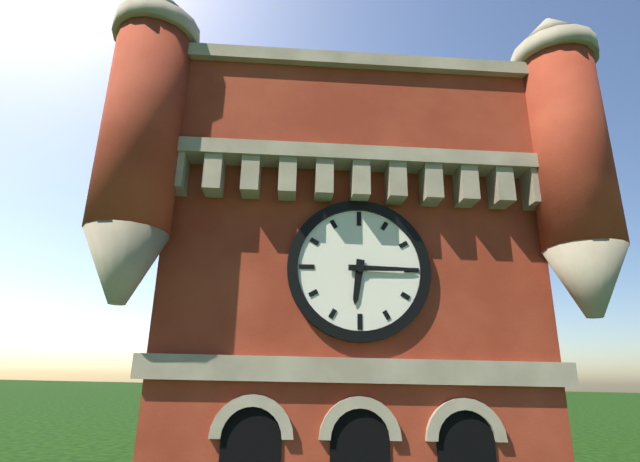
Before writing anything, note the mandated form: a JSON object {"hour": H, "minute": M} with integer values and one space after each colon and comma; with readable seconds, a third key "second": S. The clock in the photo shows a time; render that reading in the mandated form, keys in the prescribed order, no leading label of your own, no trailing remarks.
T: {"hour": 6, "minute": 15}
